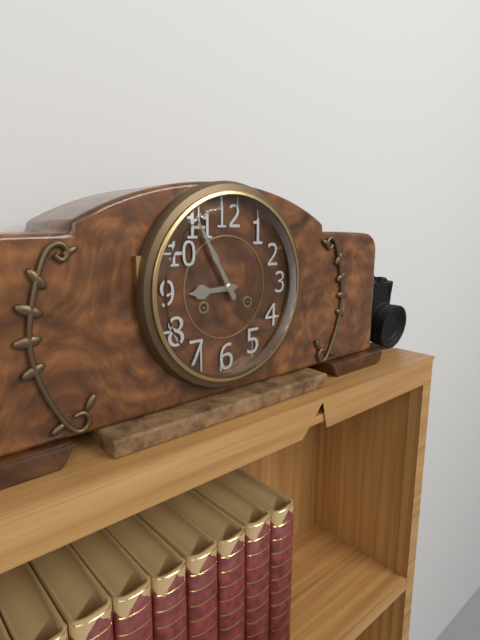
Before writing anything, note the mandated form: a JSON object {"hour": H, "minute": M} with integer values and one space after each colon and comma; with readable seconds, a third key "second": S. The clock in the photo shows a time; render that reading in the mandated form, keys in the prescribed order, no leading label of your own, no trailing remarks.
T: {"hour": 8, "minute": 55}
